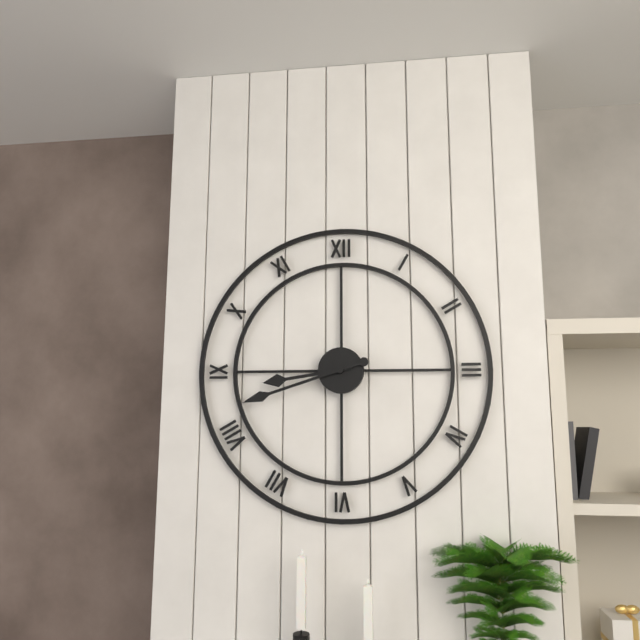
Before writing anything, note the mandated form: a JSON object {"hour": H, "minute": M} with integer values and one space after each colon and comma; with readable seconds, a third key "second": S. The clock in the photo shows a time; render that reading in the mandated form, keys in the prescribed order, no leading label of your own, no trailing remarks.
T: {"hour": 8, "minute": 42}
